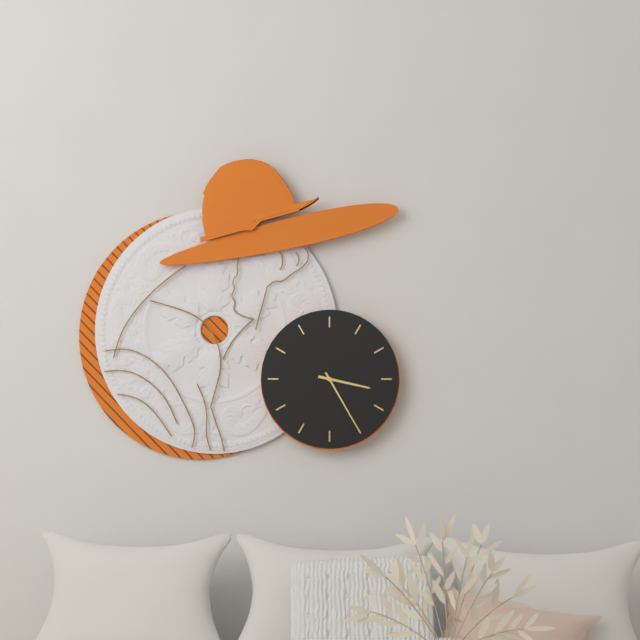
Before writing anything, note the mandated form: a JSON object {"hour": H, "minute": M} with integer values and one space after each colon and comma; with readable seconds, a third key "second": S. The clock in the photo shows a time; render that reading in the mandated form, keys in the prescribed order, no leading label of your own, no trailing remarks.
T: {"hour": 3, "minute": 25}
